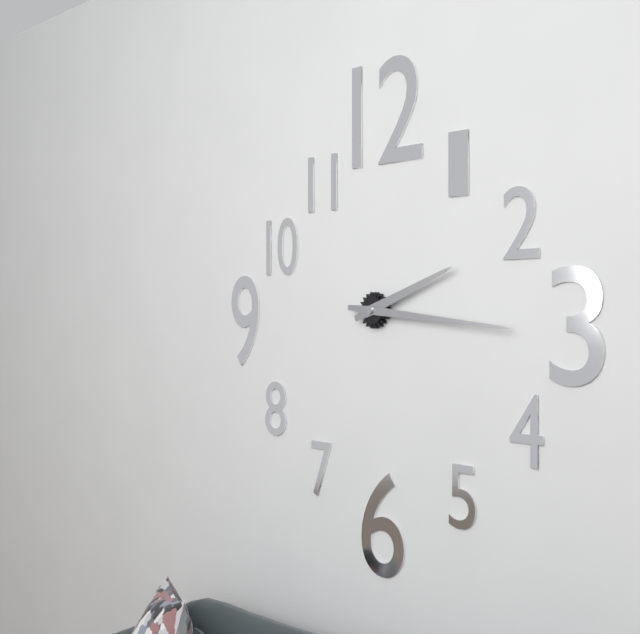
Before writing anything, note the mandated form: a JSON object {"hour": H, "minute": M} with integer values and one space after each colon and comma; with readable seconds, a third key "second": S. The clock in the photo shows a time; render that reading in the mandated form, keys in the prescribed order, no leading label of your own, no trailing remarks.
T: {"hour": 2, "minute": 16}
